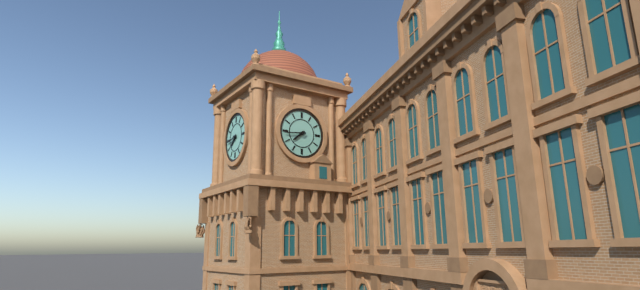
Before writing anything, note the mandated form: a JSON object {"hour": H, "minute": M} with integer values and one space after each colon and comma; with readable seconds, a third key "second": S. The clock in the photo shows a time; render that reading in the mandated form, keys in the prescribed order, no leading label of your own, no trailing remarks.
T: {"hour": 7, "minute": 44}
